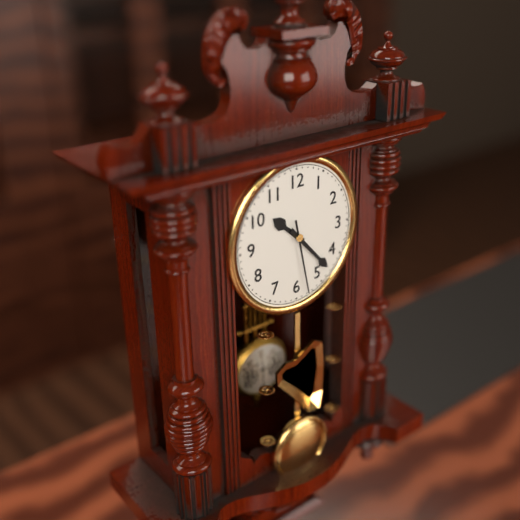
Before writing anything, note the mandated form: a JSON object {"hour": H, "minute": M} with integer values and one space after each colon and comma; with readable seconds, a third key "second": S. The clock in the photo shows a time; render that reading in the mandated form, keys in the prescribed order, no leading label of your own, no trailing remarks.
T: {"hour": 10, "minute": 23, "second": 28}
